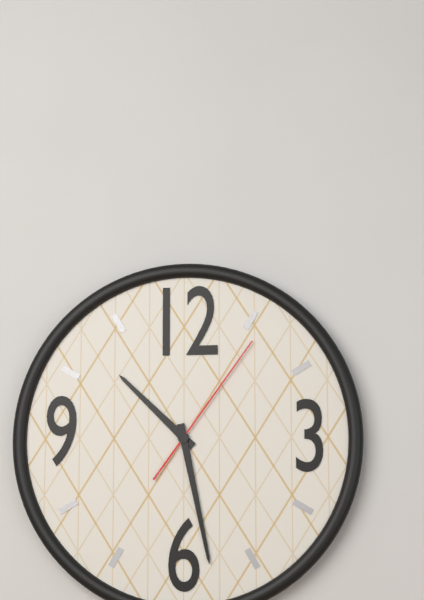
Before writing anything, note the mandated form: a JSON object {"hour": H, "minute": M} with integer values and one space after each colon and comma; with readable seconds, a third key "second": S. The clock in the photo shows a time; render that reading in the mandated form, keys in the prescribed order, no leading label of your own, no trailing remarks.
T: {"hour": 10, "minute": 28, "second": 6}
